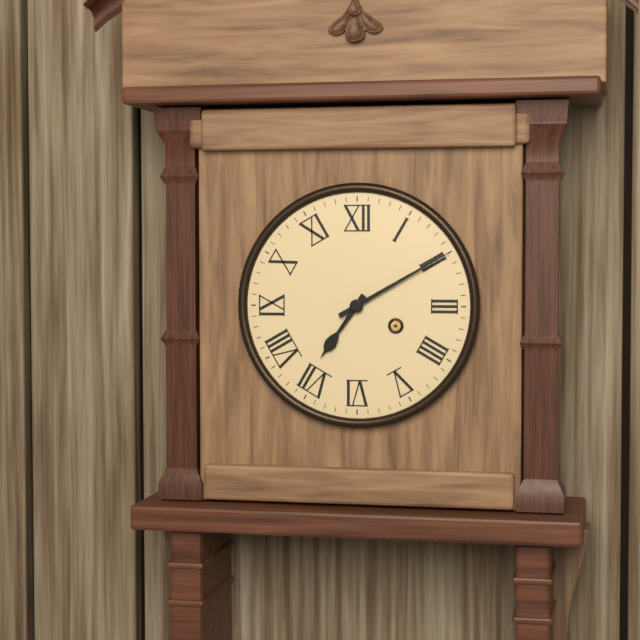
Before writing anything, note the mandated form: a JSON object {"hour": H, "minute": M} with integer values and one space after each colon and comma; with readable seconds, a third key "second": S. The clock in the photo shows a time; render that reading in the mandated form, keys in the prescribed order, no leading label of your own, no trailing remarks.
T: {"hour": 7, "minute": 10}
